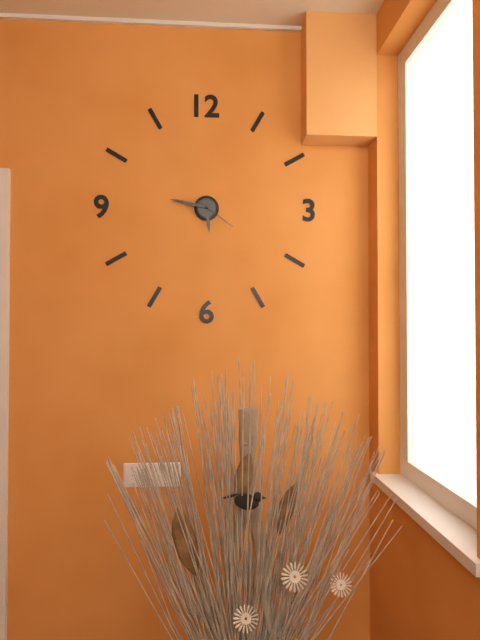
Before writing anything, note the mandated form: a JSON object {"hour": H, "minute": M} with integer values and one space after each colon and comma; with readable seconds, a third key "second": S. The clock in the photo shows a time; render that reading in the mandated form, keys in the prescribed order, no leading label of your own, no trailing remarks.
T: {"hour": 5, "minute": 47}
